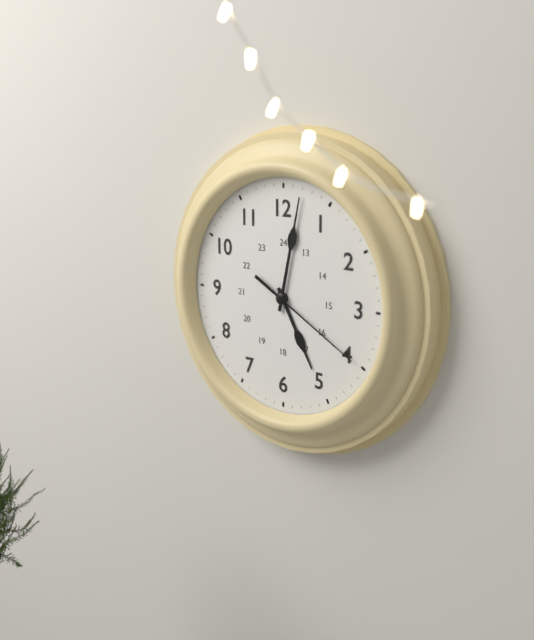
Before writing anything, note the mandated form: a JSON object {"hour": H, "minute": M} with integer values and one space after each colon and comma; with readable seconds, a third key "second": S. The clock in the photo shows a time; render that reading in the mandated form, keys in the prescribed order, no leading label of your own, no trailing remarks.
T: {"hour": 5, "minute": 2, "second": 20}
